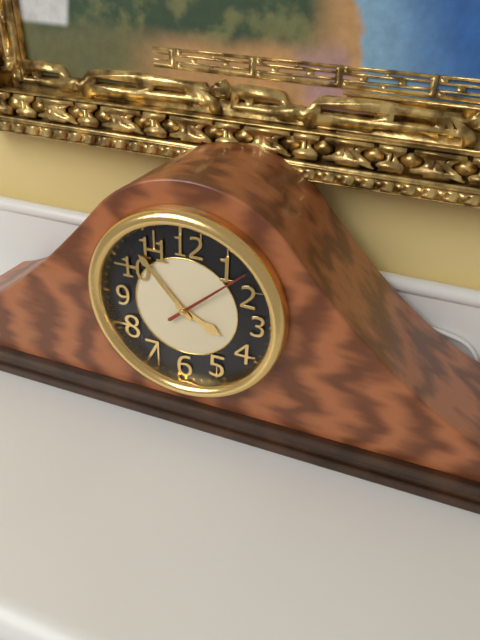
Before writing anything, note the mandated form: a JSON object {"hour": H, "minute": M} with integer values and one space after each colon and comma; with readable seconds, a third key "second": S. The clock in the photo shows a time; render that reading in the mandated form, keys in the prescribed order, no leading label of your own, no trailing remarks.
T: {"hour": 3, "minute": 53, "second": 8}
